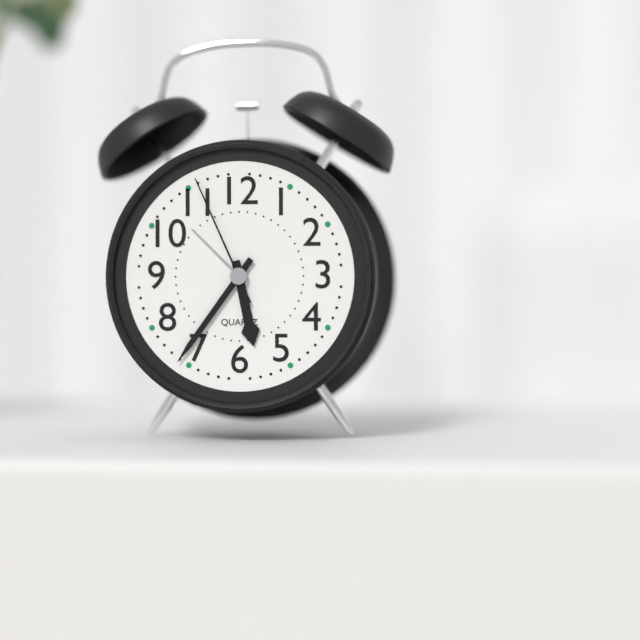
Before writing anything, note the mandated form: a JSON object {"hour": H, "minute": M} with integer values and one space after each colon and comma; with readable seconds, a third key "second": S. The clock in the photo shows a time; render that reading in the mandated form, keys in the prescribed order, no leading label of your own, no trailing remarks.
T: {"hour": 5, "minute": 36, "second": 56}
